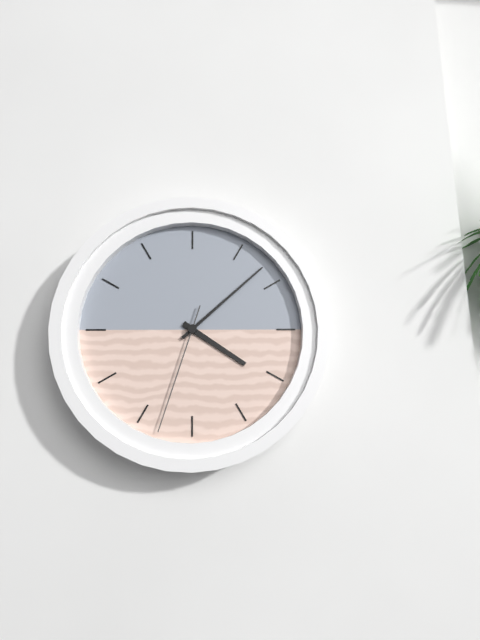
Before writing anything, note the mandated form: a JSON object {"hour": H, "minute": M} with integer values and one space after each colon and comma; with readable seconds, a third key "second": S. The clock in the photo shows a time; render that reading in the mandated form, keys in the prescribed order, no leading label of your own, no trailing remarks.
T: {"hour": 4, "minute": 8, "second": 33}
